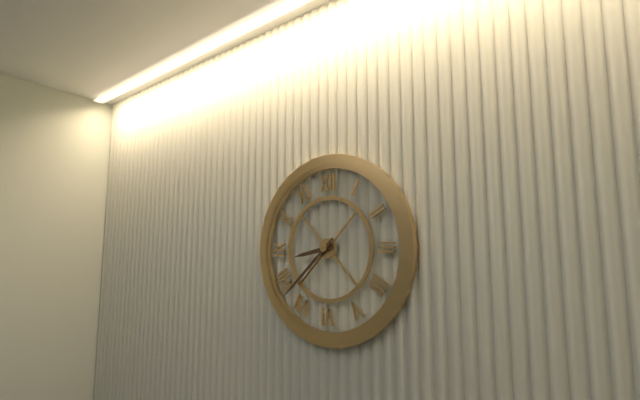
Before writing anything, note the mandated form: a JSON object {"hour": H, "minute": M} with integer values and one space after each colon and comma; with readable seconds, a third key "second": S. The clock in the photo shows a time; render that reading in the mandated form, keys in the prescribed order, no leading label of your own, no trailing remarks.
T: {"hour": 8, "minute": 38}
